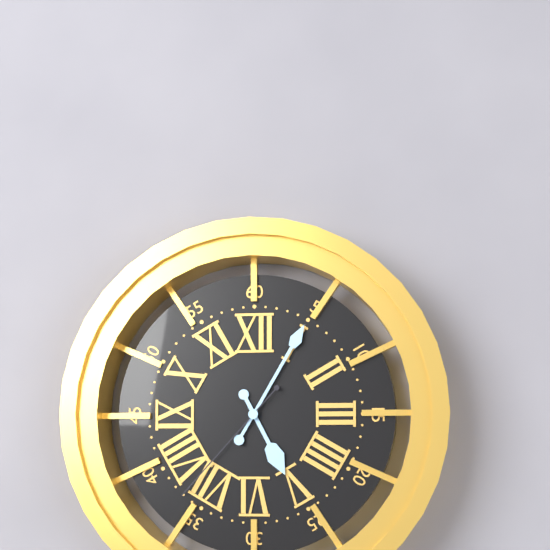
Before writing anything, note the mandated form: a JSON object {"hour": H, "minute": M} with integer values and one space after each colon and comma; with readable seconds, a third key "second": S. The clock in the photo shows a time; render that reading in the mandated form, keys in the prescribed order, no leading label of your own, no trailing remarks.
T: {"hour": 5, "minute": 5, "second": 37}
